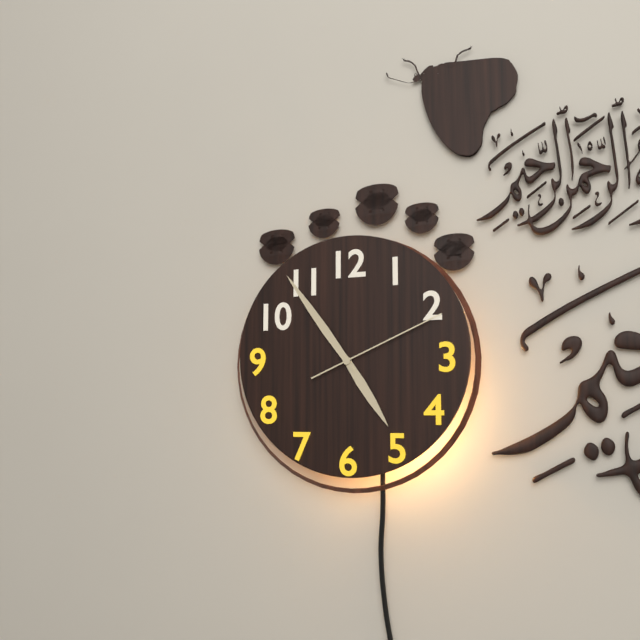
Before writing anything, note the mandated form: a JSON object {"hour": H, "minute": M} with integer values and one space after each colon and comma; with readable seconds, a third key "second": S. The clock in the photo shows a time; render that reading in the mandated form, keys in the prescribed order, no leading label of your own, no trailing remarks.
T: {"hour": 4, "minute": 54, "second": 11}
